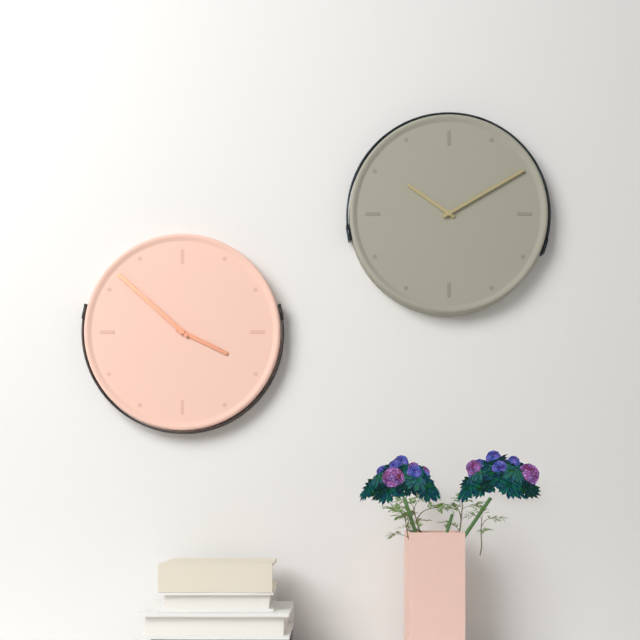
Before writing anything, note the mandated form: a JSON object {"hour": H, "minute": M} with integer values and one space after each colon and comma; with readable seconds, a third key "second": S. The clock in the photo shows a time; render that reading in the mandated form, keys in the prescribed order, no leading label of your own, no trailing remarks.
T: {"hour": 3, "minute": 52}
